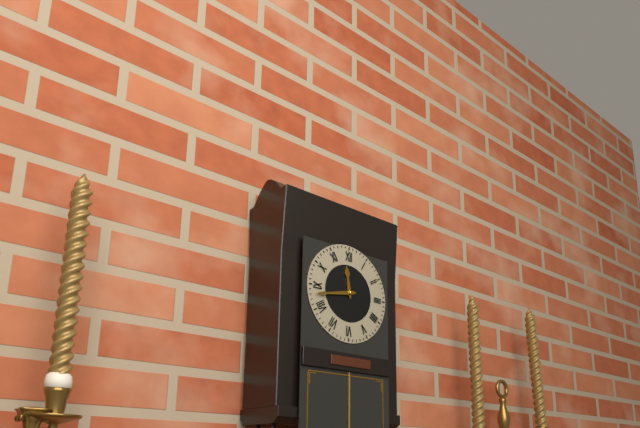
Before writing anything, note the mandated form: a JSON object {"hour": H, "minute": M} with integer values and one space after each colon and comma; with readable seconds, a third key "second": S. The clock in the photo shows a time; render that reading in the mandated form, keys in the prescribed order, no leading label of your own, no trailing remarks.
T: {"hour": 11, "minute": 43}
